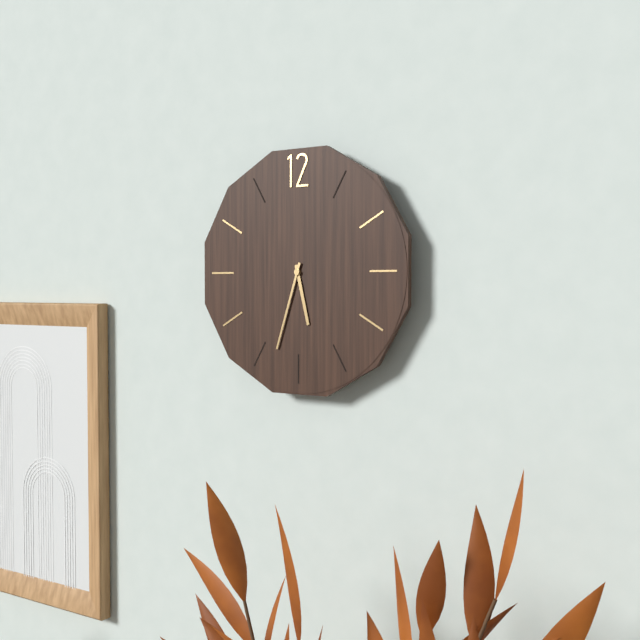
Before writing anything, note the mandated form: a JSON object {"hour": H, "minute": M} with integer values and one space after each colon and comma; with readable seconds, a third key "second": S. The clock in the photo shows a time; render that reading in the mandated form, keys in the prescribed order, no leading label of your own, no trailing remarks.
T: {"hour": 5, "minute": 33}
